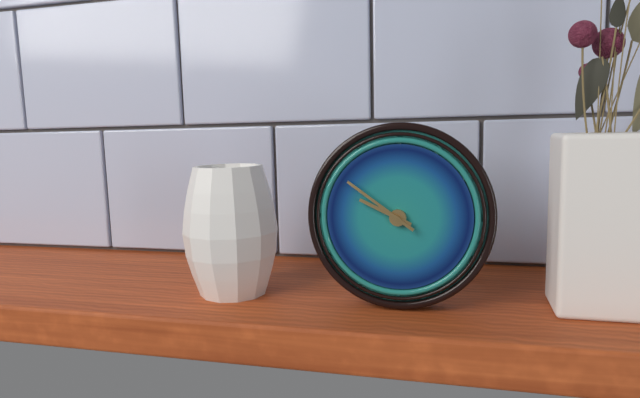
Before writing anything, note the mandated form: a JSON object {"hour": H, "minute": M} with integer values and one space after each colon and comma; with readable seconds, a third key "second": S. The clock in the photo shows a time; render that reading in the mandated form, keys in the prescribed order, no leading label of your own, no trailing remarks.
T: {"hour": 9, "minute": 51}
